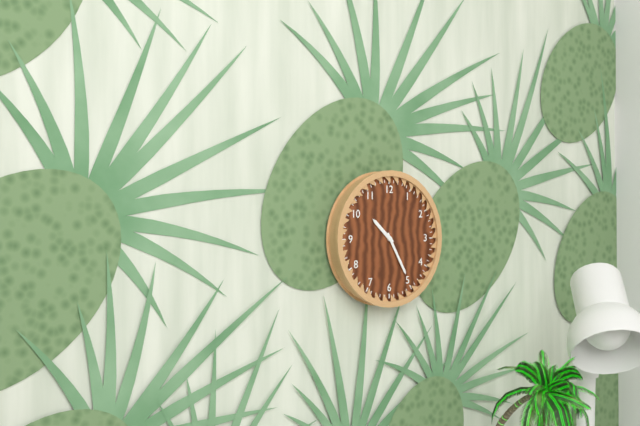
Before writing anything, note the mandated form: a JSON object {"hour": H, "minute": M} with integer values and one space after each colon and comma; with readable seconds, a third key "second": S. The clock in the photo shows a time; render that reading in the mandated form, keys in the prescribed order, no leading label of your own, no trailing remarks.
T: {"hour": 10, "minute": 25}
